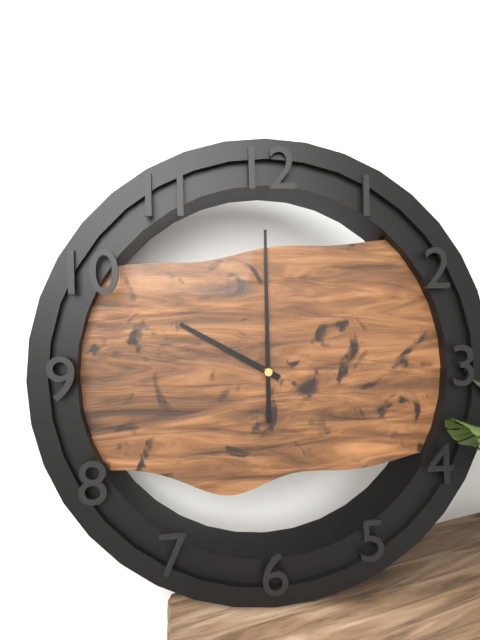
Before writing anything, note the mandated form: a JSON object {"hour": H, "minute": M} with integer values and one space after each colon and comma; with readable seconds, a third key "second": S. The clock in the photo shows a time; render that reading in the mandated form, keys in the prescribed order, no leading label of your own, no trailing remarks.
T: {"hour": 10, "minute": 0}
